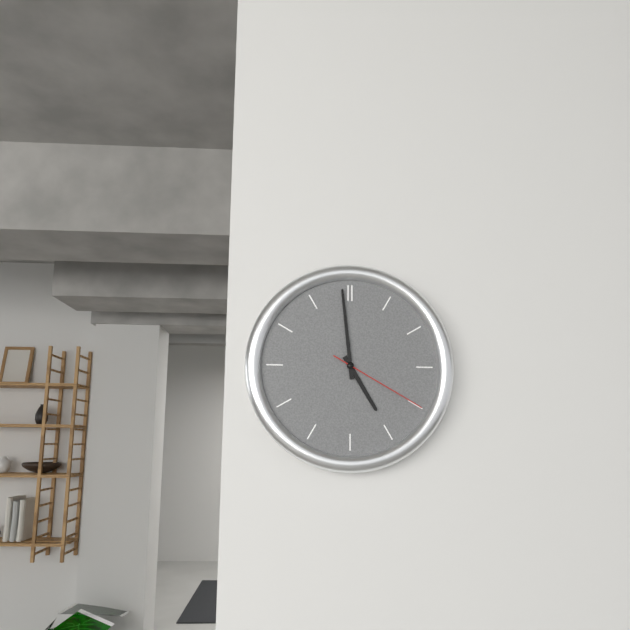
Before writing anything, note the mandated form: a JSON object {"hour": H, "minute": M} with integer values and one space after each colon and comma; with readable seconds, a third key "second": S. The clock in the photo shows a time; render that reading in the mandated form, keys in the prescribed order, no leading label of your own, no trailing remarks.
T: {"hour": 4, "minute": 59, "second": 20}
